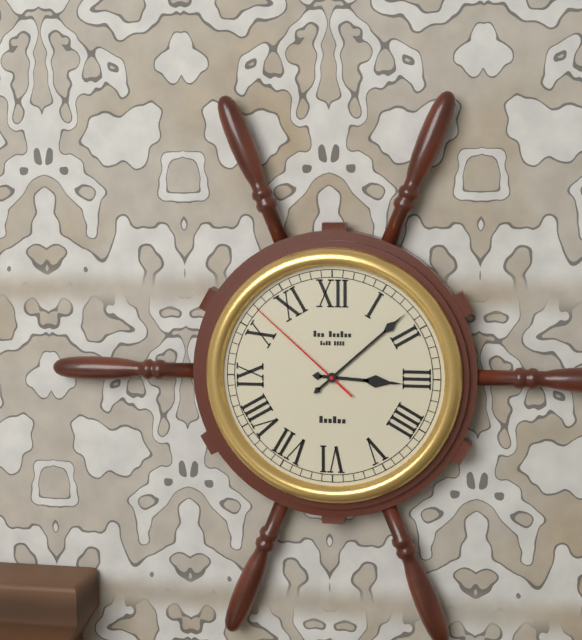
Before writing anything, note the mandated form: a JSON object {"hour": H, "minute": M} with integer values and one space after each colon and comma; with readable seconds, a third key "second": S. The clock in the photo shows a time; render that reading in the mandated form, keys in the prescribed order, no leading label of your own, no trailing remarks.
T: {"hour": 3, "minute": 8, "second": 52}
